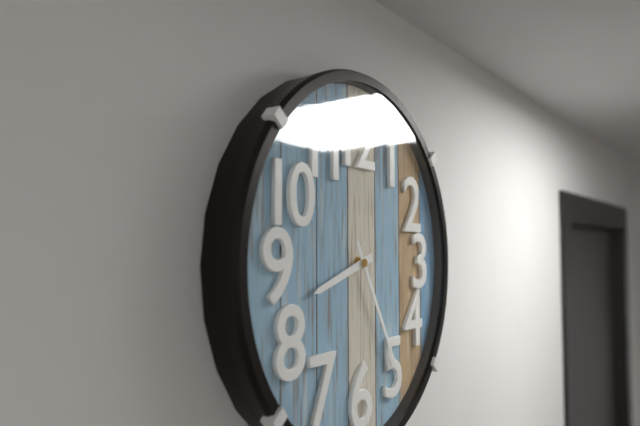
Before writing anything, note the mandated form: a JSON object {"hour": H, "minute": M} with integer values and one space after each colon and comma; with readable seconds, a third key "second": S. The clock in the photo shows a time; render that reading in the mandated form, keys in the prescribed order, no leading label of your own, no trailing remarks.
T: {"hour": 8, "minute": 25}
